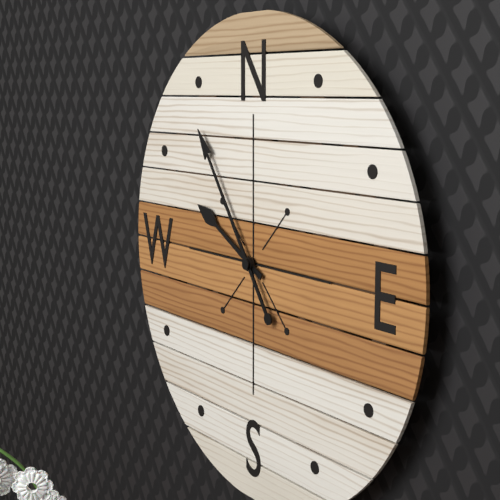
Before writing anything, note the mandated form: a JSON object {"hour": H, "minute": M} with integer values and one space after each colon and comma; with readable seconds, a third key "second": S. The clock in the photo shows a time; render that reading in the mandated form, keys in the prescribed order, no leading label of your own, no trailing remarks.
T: {"hour": 9, "minute": 54}
